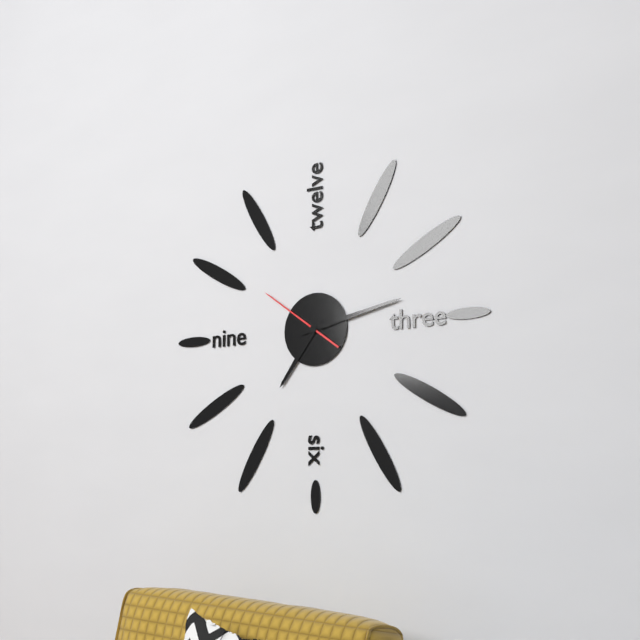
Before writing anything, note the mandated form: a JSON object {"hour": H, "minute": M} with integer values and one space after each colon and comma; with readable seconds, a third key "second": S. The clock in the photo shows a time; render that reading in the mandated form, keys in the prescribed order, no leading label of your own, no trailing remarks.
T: {"hour": 7, "minute": 13, "second": 51}
